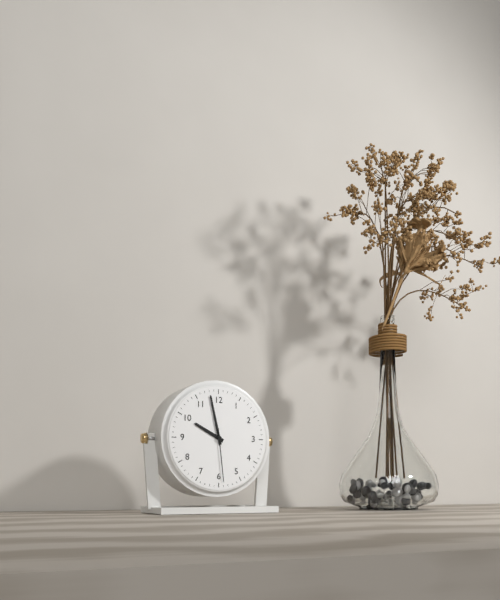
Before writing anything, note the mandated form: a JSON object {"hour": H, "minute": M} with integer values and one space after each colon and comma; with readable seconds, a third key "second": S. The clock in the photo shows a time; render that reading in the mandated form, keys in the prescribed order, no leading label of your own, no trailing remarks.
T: {"hour": 9, "minute": 58, "second": 29}
